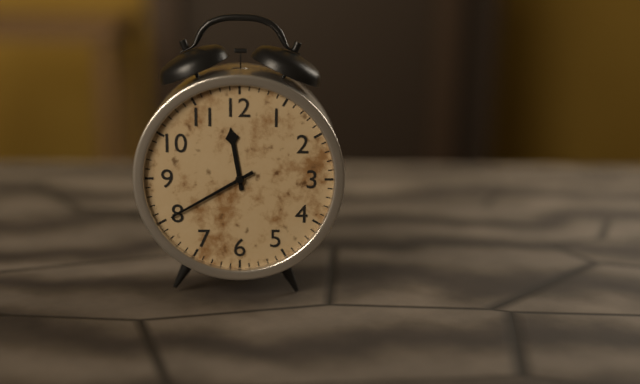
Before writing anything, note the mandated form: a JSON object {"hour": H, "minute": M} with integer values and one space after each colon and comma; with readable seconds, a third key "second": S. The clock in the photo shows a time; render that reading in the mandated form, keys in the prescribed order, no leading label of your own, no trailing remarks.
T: {"hour": 11, "minute": 40}
